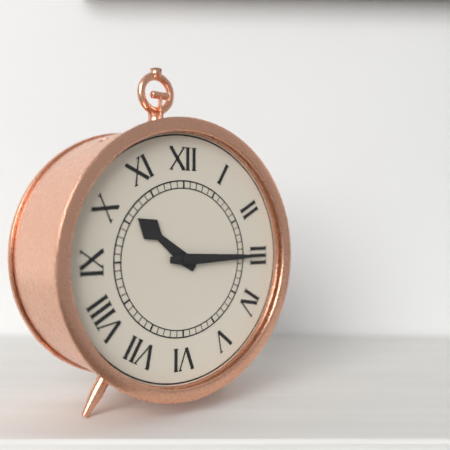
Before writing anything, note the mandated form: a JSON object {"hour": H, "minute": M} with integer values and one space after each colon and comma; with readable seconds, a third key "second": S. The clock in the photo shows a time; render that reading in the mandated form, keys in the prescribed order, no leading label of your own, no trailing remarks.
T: {"hour": 10, "minute": 15}
